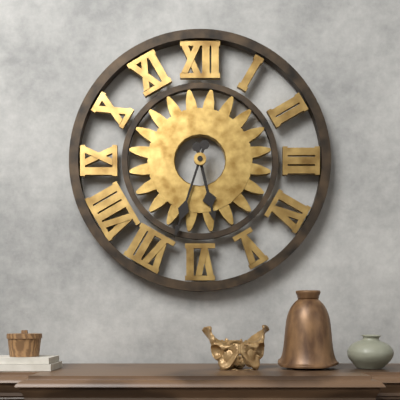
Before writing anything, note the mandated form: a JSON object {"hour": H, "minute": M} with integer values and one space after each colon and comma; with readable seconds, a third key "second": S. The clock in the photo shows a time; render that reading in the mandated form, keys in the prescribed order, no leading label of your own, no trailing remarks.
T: {"hour": 5, "minute": 33}
